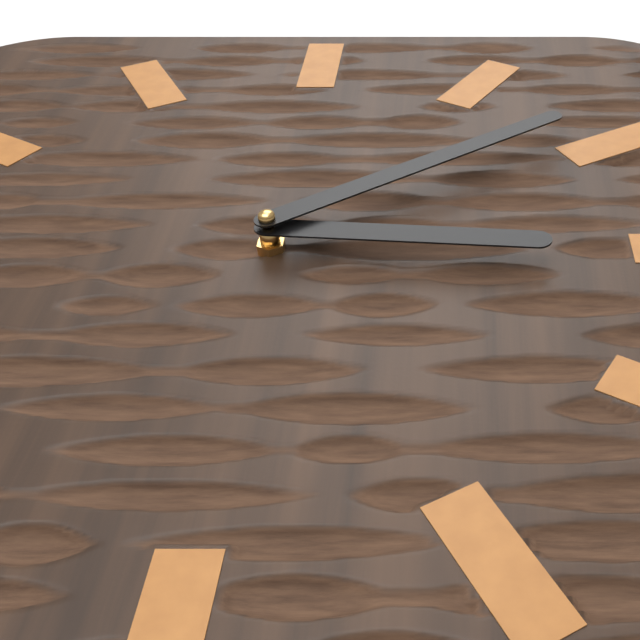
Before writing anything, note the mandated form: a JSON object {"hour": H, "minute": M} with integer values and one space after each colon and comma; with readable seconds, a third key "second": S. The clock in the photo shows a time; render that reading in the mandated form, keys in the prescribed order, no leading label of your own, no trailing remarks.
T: {"hour": 3, "minute": 9}
